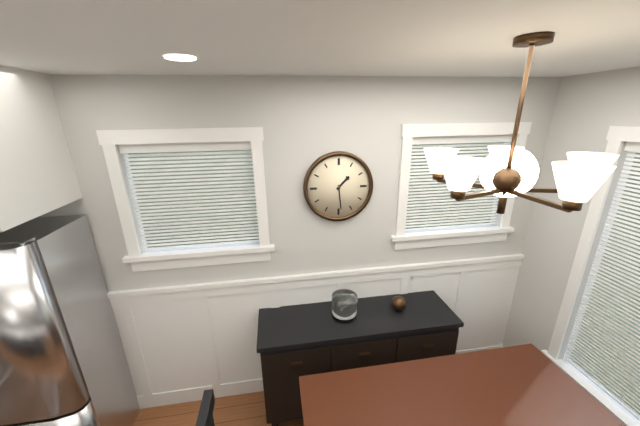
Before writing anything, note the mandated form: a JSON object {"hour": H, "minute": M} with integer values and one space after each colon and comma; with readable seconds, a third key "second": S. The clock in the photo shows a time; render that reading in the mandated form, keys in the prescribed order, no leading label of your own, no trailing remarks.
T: {"hour": 1, "minute": 29}
